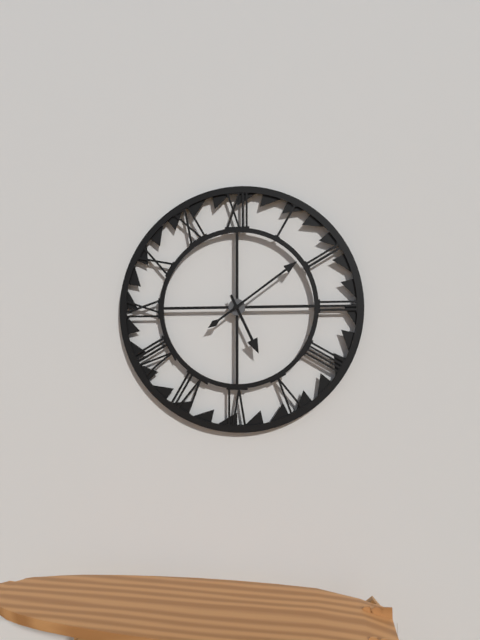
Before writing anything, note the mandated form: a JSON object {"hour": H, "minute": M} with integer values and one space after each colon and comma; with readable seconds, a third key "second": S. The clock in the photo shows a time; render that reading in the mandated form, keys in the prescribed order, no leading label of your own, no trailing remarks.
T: {"hour": 5, "minute": 9}
